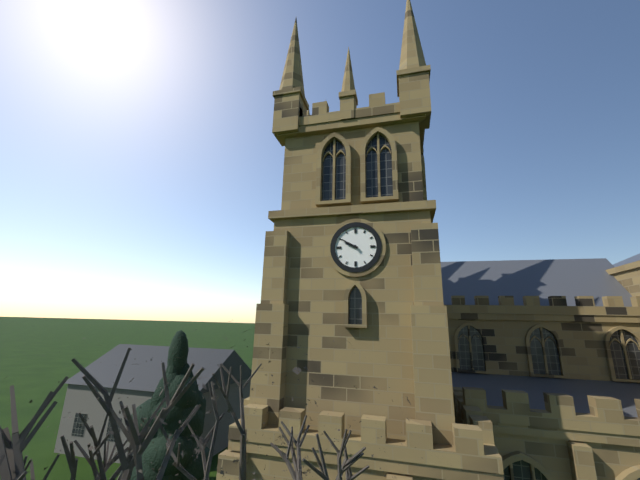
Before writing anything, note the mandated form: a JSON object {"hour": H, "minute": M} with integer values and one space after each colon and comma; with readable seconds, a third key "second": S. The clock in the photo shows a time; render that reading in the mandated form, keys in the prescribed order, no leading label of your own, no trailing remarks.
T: {"hour": 9, "minute": 50}
